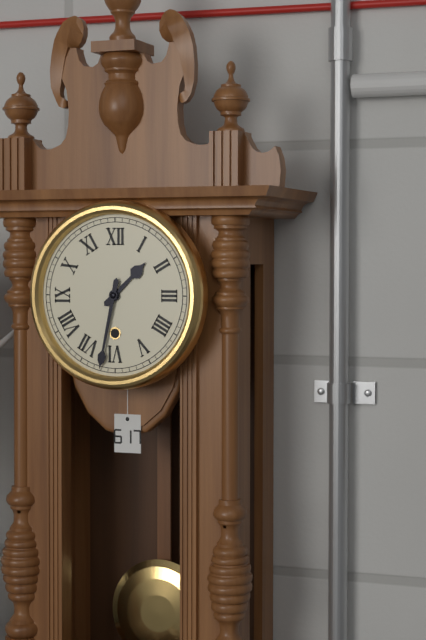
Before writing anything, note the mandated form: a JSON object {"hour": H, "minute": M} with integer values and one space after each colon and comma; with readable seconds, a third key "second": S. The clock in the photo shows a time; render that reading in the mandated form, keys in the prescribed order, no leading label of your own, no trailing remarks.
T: {"hour": 1, "minute": 32}
